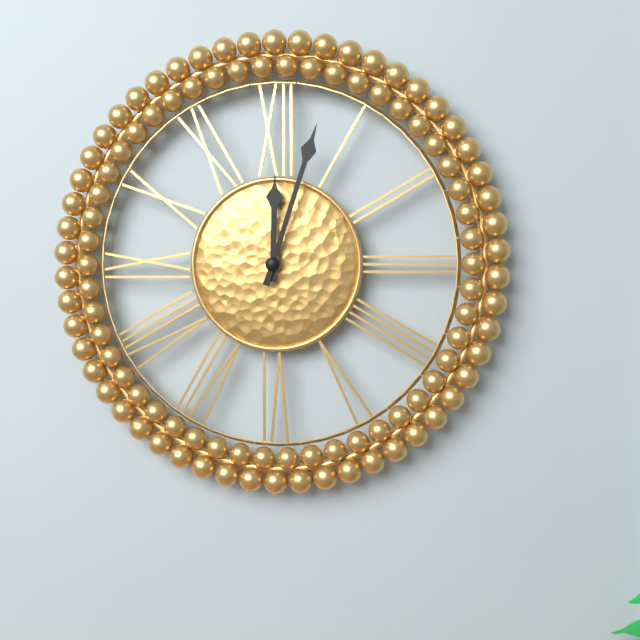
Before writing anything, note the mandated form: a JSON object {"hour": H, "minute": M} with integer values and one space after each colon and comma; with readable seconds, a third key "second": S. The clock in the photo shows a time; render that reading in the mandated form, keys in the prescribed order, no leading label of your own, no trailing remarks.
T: {"hour": 12, "minute": 3}
